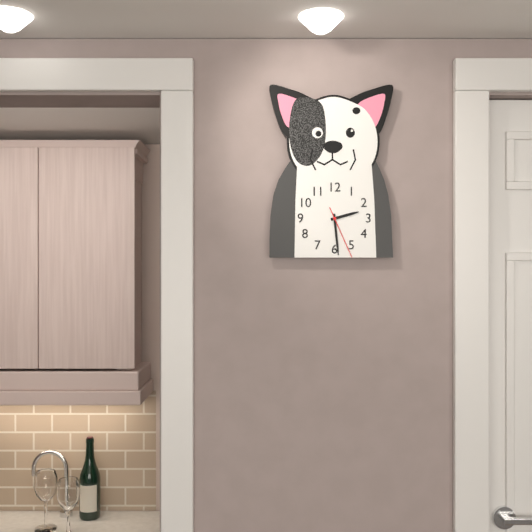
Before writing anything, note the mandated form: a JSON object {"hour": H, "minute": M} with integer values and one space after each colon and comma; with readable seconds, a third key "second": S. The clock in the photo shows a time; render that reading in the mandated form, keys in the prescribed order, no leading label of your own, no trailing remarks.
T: {"hour": 2, "minute": 29, "second": 26}
